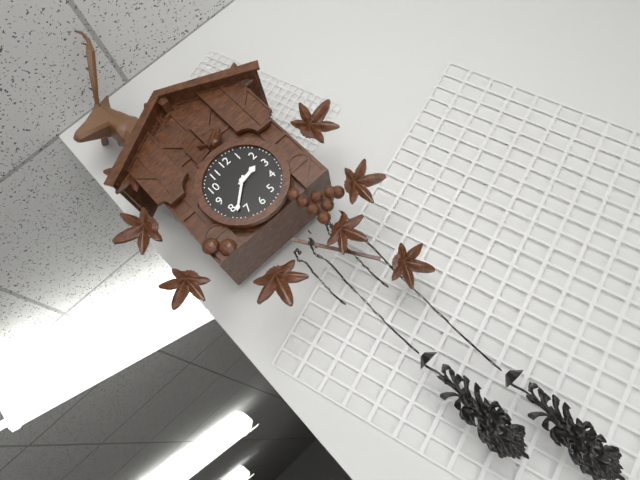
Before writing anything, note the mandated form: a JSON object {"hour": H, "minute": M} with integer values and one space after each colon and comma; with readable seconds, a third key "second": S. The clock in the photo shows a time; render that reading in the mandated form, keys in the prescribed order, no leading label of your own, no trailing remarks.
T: {"hour": 2, "minute": 38}
